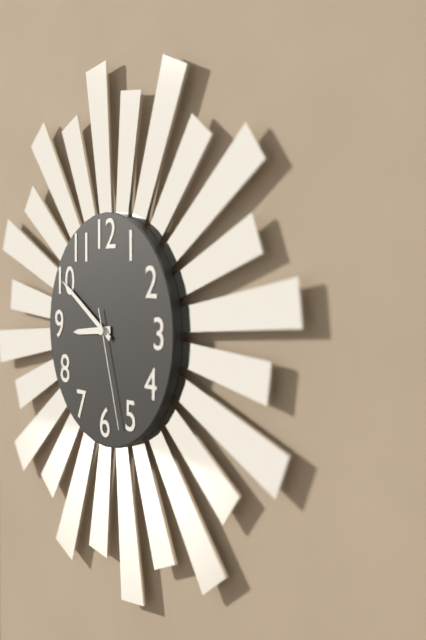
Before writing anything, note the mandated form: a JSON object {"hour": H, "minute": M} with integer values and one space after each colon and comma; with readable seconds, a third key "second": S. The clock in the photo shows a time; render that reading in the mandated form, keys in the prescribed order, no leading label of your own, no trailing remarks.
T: {"hour": 8, "minute": 50, "second": 27}
